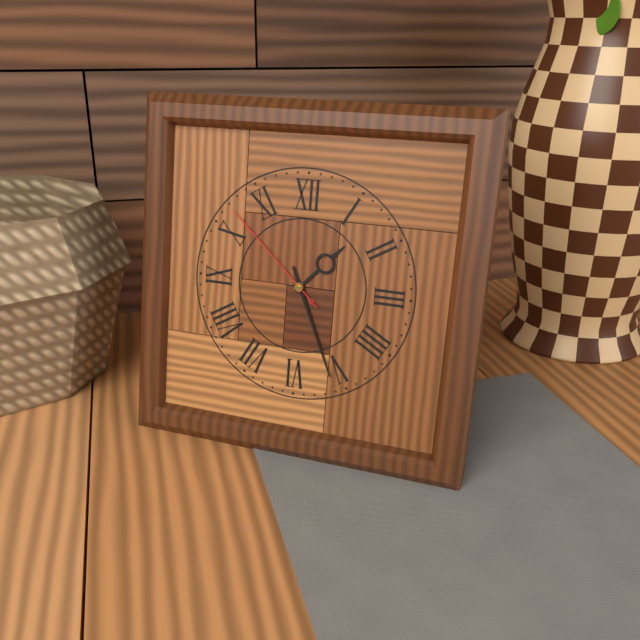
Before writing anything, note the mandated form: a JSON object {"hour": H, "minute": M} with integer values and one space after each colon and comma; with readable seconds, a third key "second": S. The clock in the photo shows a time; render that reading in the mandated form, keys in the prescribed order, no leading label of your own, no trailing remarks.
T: {"hour": 1, "minute": 26, "second": 52}
